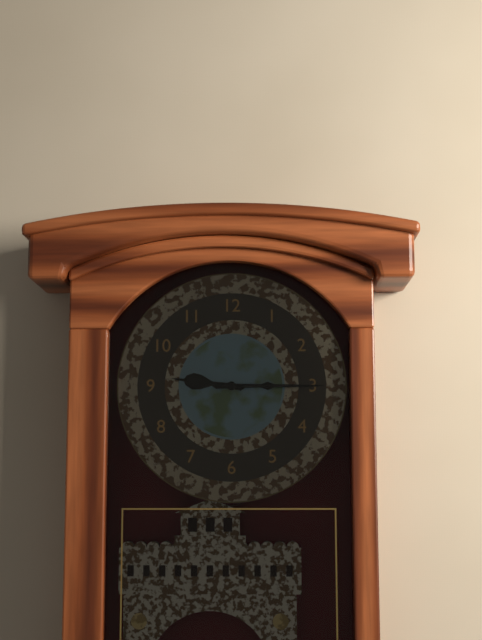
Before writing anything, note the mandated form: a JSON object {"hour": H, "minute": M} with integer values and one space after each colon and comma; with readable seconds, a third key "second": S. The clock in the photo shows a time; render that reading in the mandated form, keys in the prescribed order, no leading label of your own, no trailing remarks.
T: {"hour": 9, "minute": 15}
